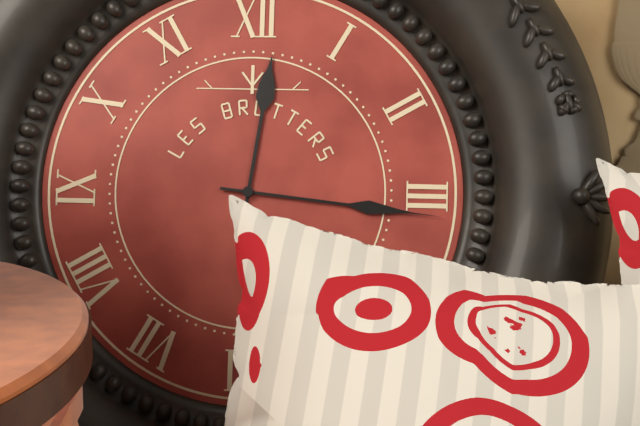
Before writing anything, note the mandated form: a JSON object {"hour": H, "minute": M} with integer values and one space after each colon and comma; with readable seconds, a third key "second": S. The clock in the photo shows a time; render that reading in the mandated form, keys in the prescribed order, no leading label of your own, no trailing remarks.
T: {"hour": 12, "minute": 16}
